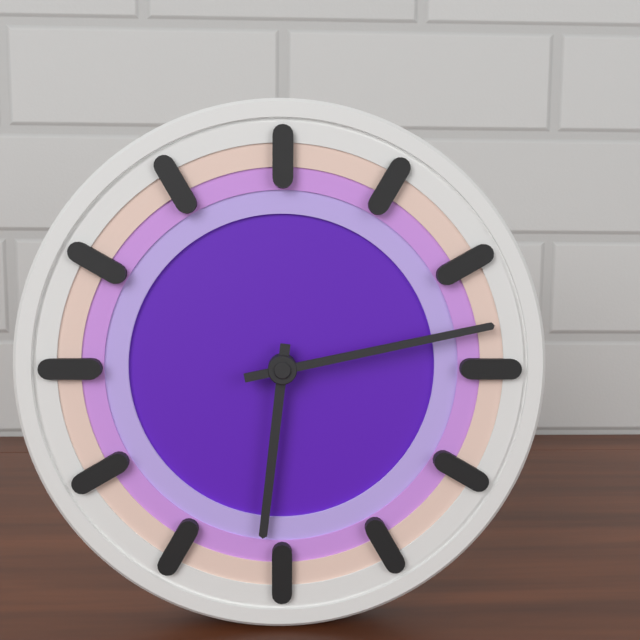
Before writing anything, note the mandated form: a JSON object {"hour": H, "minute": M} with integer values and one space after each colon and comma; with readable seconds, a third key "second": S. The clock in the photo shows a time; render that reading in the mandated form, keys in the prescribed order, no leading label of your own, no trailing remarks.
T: {"hour": 6, "minute": 13}
